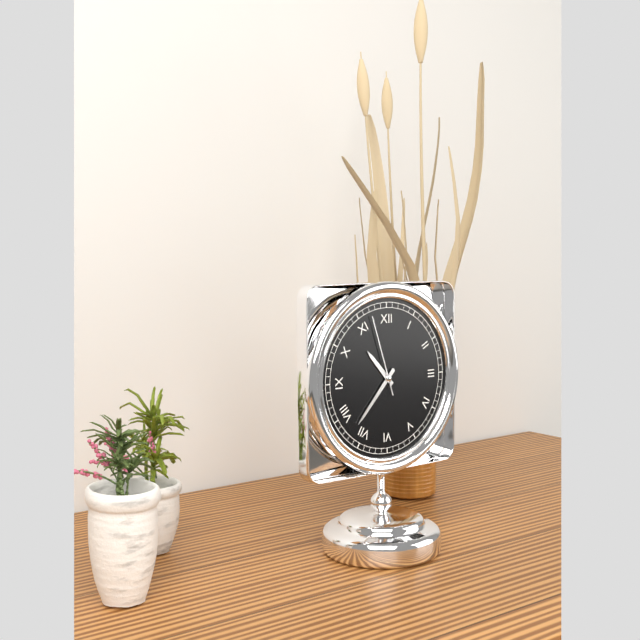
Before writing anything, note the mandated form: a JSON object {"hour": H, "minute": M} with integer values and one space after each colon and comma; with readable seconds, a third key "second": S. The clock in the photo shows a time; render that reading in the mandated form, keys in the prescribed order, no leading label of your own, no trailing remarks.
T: {"hour": 10, "minute": 37, "second": 57}
